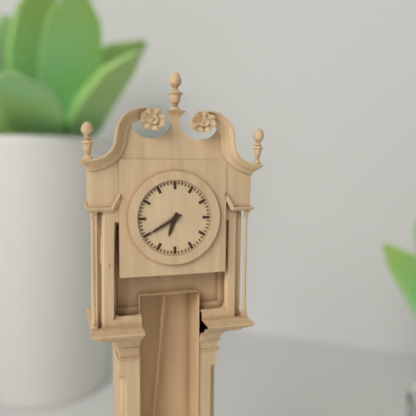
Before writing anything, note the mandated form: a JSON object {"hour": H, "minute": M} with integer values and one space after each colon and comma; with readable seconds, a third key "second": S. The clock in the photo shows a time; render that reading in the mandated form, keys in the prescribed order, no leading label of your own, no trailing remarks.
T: {"hour": 6, "minute": 40}
